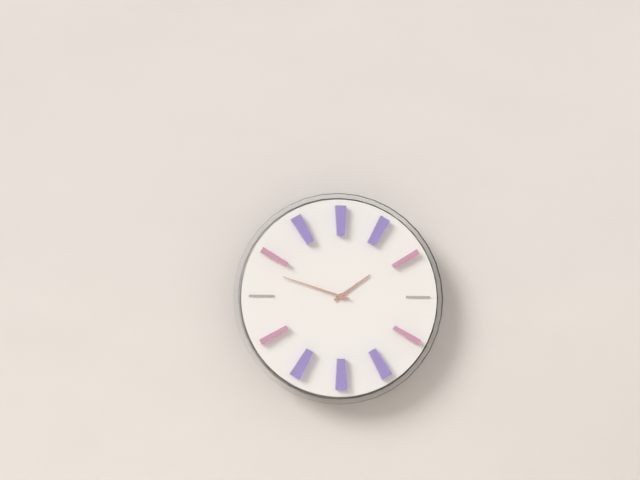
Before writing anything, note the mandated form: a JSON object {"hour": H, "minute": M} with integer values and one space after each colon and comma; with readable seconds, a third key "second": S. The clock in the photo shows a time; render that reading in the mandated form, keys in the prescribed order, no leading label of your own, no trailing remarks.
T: {"hour": 1, "minute": 48}
